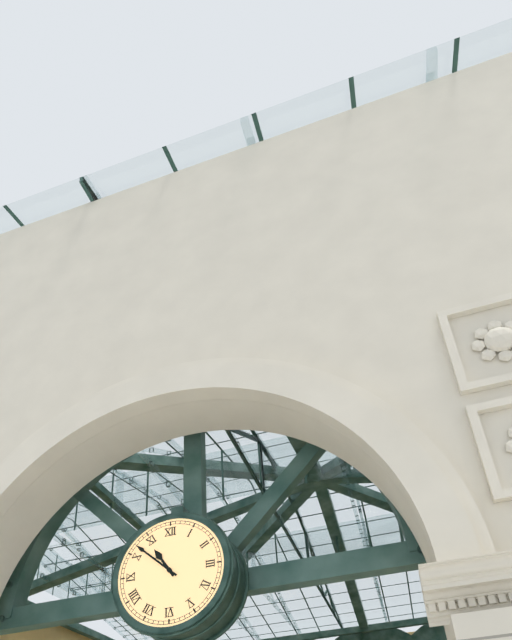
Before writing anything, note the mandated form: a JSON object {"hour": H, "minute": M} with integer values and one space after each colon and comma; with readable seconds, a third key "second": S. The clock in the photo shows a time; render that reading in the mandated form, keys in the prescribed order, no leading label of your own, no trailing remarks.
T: {"hour": 10, "minute": 52}
